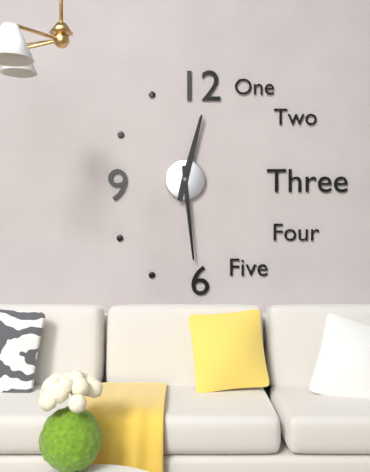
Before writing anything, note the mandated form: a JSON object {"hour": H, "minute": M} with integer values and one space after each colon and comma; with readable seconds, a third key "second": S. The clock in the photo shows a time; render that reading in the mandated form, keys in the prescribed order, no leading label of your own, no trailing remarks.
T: {"hour": 12, "minute": 29}
